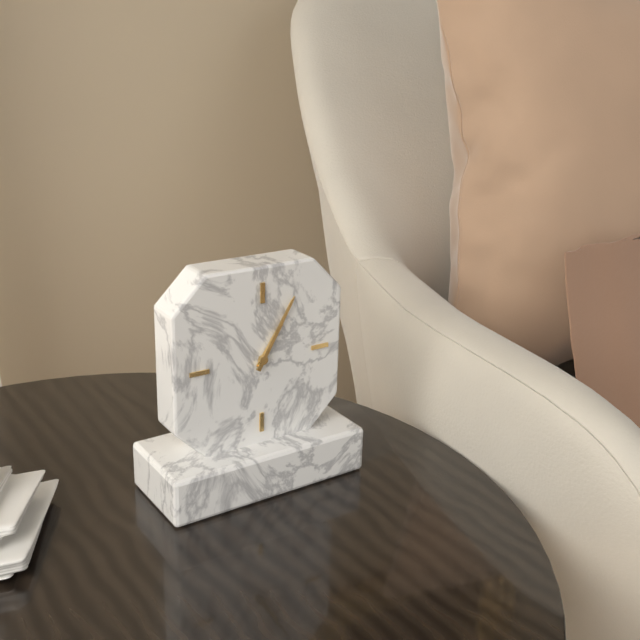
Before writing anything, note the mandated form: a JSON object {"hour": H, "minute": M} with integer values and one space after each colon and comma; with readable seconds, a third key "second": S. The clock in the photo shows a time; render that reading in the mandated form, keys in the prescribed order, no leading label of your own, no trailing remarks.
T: {"hour": 1, "minute": 5}
